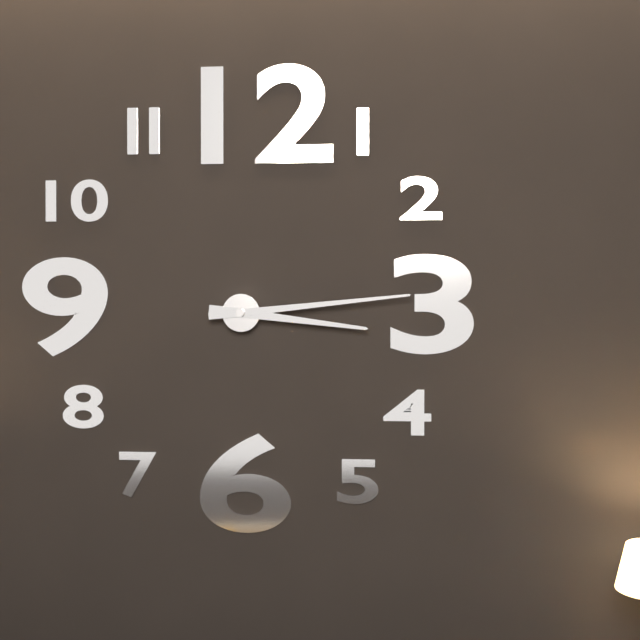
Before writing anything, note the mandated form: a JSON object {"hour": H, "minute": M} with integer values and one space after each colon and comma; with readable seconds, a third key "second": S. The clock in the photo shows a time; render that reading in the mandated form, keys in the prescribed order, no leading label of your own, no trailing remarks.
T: {"hour": 3, "minute": 14}
